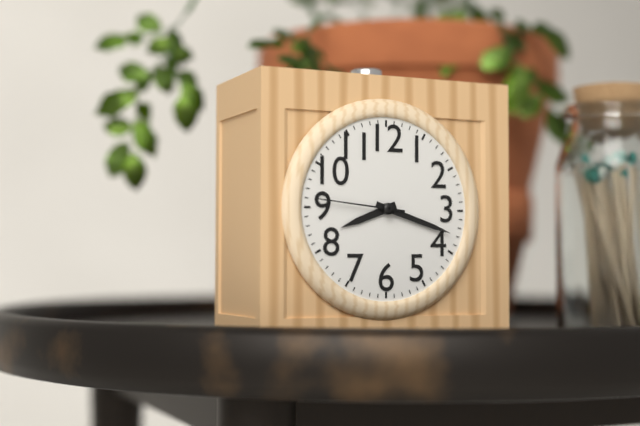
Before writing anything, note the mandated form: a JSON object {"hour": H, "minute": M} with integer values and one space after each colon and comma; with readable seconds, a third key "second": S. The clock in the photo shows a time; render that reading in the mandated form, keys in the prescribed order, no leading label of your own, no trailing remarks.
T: {"hour": 8, "minute": 18, "second": 46}
